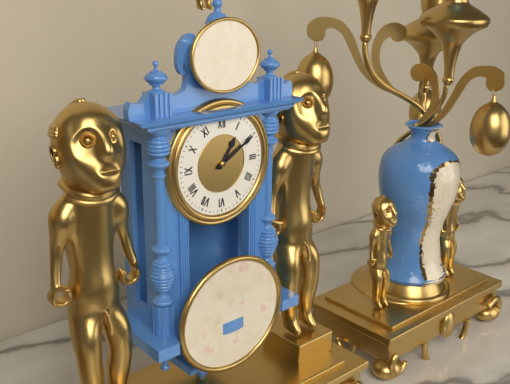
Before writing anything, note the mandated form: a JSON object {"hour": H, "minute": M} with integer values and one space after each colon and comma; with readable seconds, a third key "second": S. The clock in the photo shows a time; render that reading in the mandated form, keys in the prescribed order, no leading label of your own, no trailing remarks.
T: {"hour": 1, "minute": 10}
